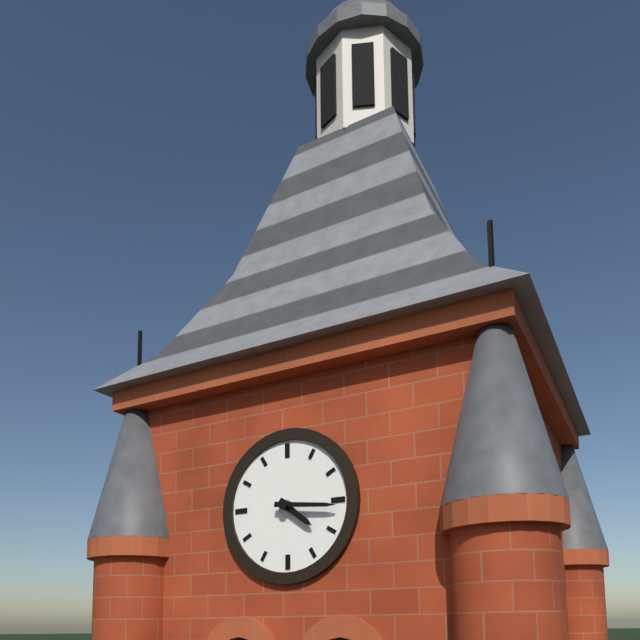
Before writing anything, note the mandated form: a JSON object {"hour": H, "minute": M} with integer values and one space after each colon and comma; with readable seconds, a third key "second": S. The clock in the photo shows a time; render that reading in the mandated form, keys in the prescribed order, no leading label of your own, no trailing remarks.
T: {"hour": 4, "minute": 16}
